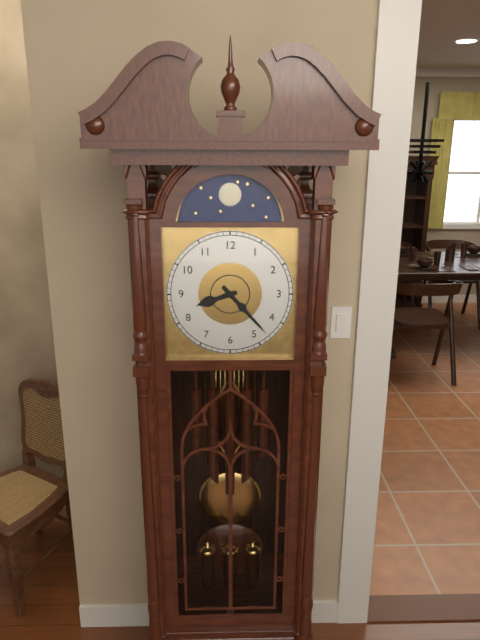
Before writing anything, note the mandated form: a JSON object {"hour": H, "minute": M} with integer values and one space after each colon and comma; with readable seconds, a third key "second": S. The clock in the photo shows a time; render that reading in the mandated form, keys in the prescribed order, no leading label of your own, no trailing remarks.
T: {"hour": 8, "minute": 23}
